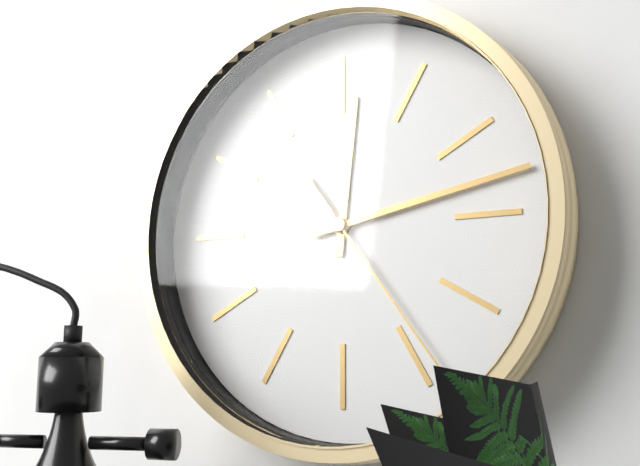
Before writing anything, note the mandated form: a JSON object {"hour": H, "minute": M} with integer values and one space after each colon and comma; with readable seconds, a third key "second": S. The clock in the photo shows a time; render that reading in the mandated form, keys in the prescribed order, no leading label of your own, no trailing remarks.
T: {"hour": 12, "minute": 13, "second": 24}
